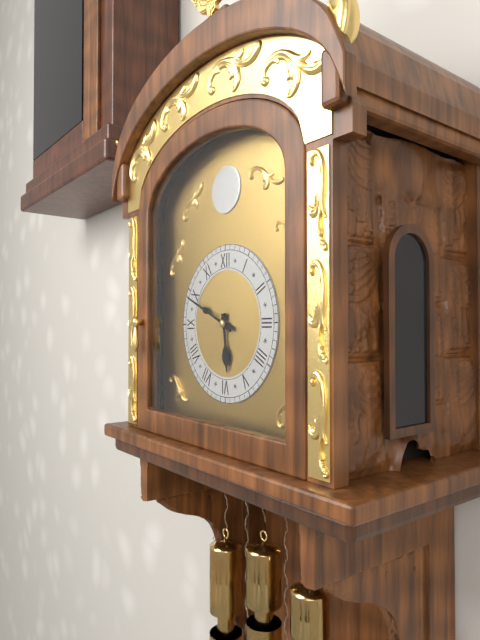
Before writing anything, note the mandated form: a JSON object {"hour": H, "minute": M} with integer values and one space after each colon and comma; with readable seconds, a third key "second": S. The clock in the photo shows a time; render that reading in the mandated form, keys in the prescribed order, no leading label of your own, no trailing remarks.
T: {"hour": 5, "minute": 49}
